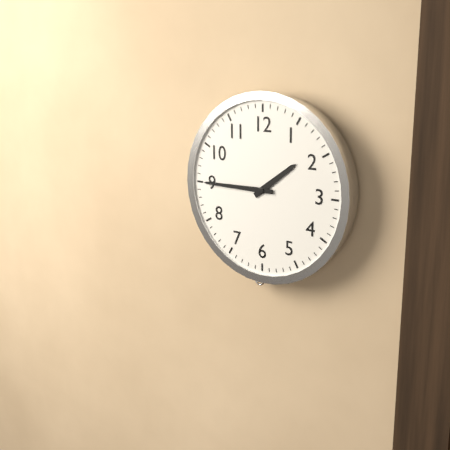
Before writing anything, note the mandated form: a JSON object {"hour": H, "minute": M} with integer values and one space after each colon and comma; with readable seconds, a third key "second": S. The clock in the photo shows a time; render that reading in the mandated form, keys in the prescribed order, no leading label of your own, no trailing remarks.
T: {"hour": 1, "minute": 45}
